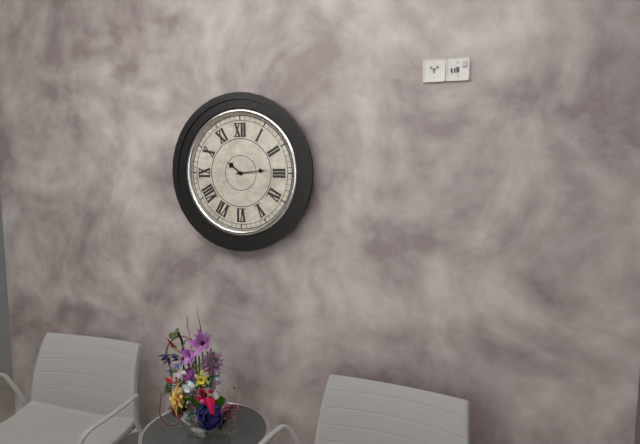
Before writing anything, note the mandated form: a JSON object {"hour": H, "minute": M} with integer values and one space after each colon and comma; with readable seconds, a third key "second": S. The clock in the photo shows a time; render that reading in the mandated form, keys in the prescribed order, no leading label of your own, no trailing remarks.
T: {"hour": 10, "minute": 14}
